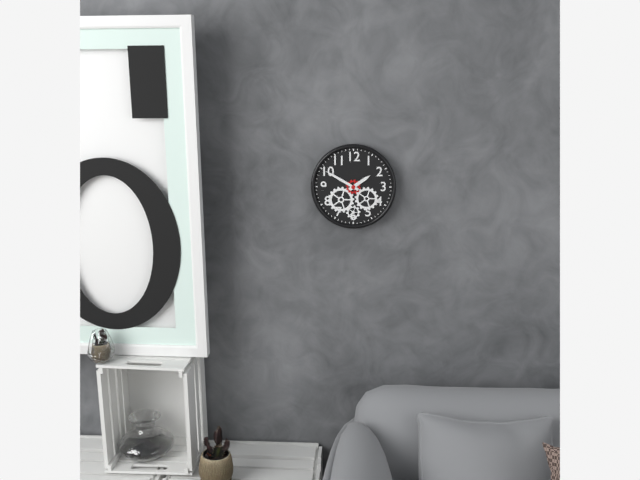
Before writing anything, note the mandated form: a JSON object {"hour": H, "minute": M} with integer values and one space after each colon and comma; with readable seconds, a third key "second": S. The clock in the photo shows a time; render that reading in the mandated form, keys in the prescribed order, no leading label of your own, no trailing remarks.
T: {"hour": 1, "minute": 50}
